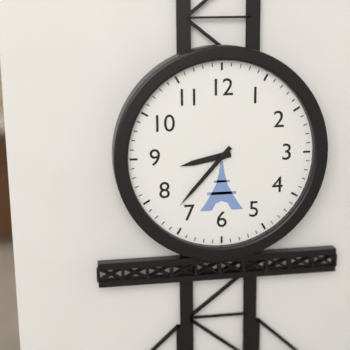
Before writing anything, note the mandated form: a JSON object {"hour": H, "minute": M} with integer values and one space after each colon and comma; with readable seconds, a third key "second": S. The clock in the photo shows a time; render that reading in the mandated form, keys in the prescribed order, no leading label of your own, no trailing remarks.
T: {"hour": 8, "minute": 37}
